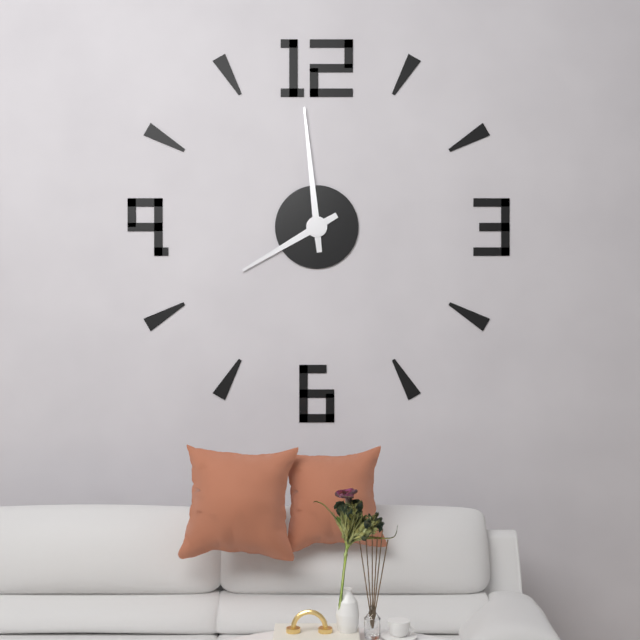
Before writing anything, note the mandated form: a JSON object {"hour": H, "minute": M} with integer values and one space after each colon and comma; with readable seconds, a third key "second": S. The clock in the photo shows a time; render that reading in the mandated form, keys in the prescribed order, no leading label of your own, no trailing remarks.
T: {"hour": 7, "minute": 59}
